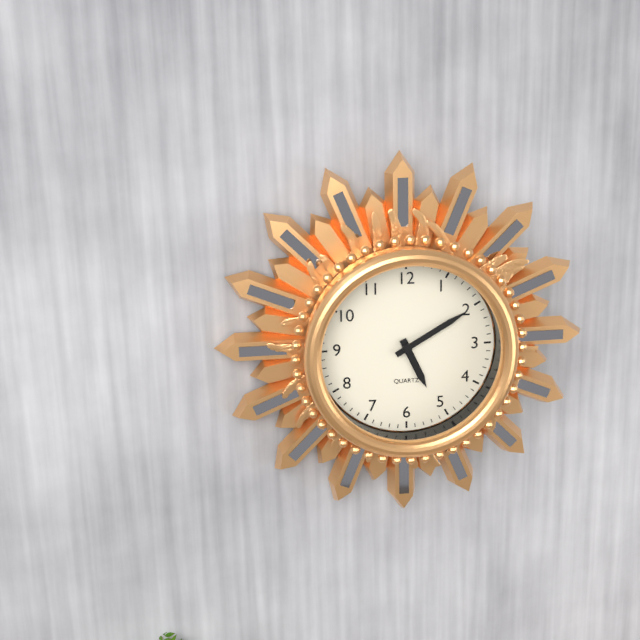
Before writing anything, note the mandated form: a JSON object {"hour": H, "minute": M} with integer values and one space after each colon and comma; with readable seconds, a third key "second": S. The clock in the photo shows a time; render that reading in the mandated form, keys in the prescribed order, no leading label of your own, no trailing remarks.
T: {"hour": 5, "minute": 10}
